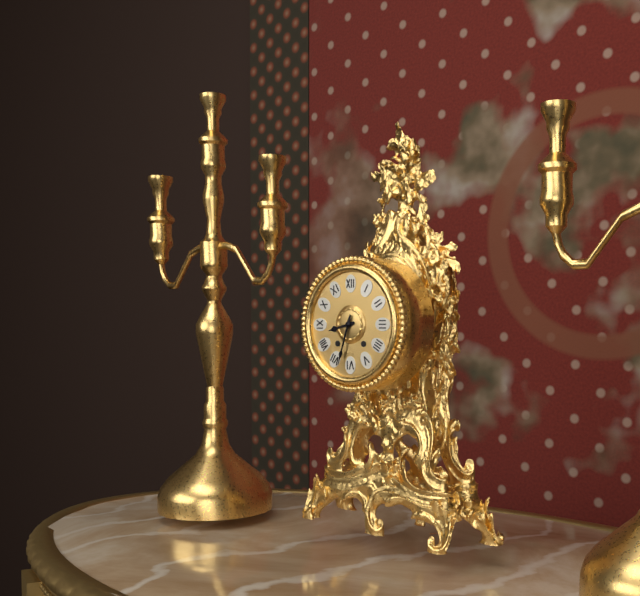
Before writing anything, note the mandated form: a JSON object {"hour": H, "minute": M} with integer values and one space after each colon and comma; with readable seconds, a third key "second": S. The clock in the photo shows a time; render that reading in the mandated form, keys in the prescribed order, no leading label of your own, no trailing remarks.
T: {"hour": 8, "minute": 33}
